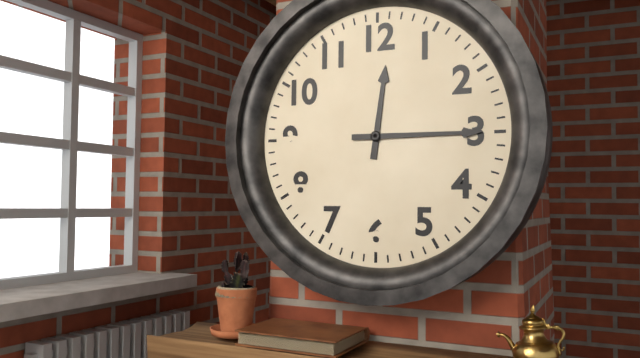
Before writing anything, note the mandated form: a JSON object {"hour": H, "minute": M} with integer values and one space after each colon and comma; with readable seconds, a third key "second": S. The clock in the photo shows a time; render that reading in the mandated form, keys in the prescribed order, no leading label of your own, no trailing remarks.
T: {"hour": 12, "minute": 15}
